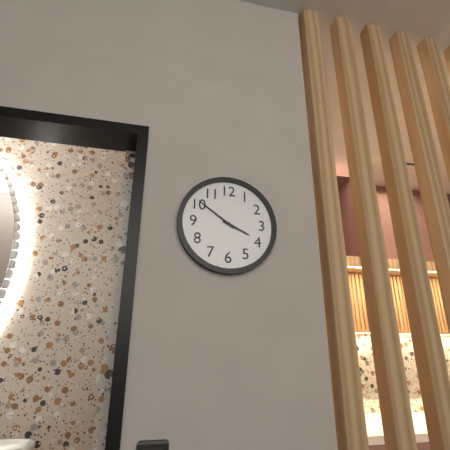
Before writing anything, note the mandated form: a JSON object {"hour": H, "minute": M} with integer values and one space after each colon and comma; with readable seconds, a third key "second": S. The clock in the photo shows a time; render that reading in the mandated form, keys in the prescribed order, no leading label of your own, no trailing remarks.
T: {"hour": 3, "minute": 51}
